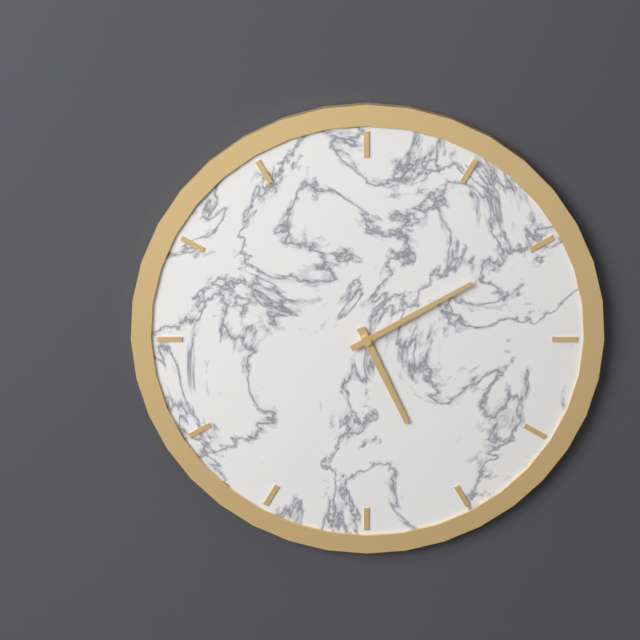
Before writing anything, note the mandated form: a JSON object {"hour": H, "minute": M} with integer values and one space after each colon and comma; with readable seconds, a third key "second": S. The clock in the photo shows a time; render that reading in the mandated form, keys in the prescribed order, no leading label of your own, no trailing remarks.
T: {"hour": 5, "minute": 10}
